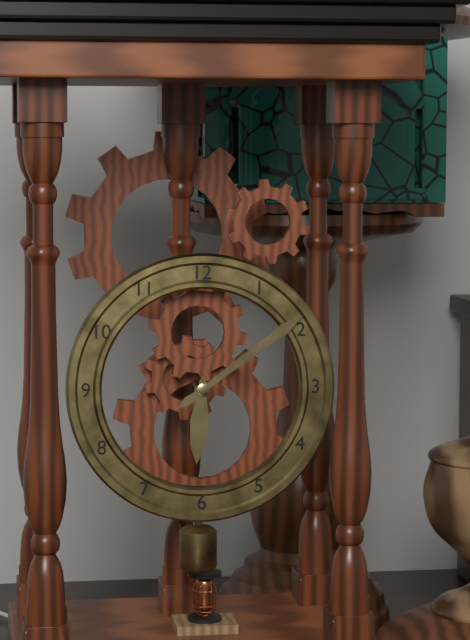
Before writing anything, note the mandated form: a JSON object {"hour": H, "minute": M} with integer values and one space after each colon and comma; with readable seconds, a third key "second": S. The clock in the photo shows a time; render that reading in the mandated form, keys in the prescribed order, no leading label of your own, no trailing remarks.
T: {"hour": 6, "minute": 9}
